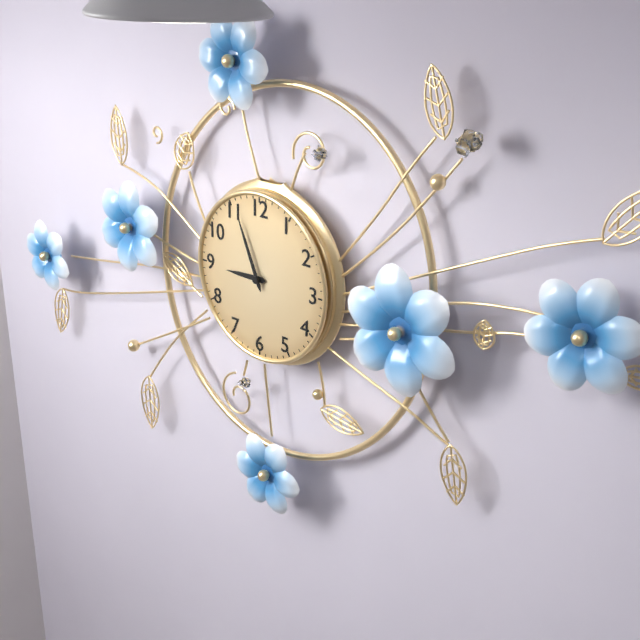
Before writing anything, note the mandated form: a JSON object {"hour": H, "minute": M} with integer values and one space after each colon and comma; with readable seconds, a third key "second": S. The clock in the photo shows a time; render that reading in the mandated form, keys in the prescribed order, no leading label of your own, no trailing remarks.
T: {"hour": 8, "minute": 56}
